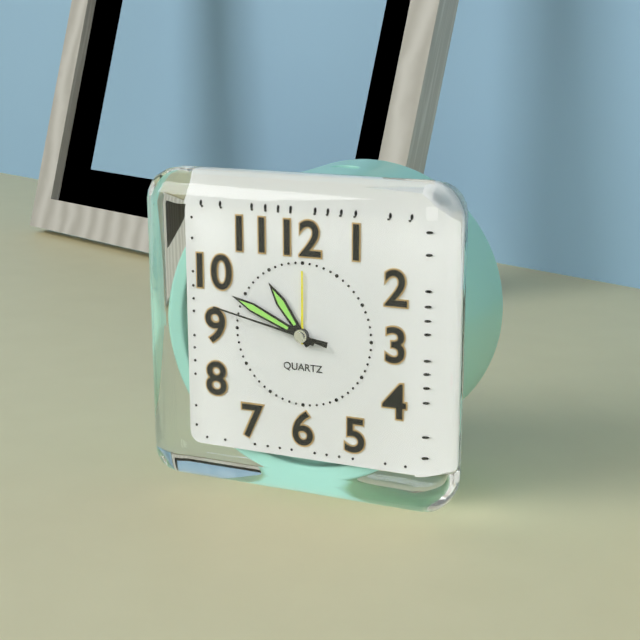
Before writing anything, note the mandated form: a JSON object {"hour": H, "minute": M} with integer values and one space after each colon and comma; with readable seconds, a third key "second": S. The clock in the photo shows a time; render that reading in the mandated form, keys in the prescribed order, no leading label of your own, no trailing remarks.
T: {"hour": 10, "minute": 49, "second": 47}
